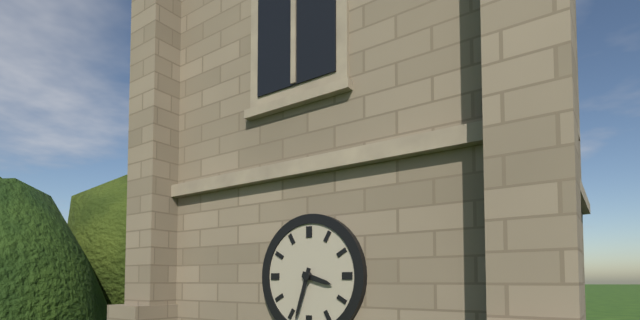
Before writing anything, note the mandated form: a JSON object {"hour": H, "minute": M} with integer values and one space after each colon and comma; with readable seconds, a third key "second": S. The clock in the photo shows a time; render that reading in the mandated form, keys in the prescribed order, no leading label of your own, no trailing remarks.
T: {"hour": 3, "minute": 33}
